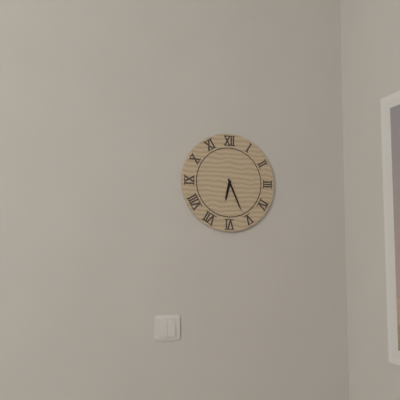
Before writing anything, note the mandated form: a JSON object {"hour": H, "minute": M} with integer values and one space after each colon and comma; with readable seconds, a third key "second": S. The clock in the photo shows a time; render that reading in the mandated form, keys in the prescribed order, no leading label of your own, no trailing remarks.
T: {"hour": 6, "minute": 26}
